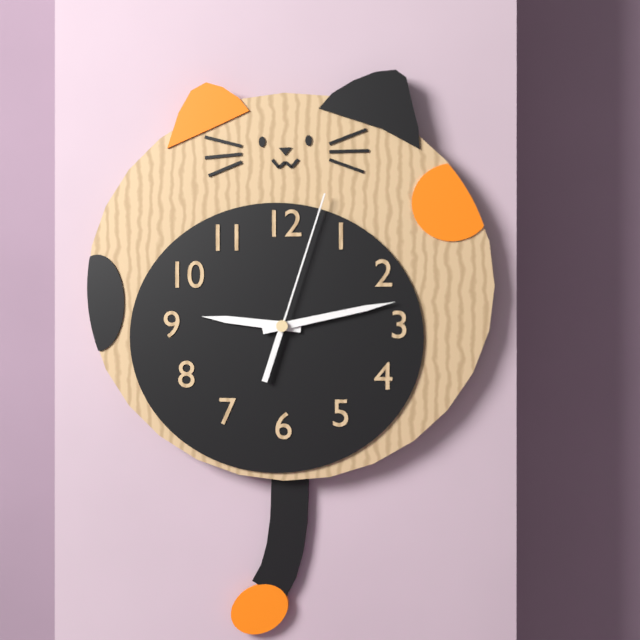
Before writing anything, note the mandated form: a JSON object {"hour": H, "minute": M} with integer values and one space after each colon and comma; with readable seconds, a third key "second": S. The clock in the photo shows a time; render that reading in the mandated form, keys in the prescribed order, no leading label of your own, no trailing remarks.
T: {"hour": 9, "minute": 13, "second": 3}
